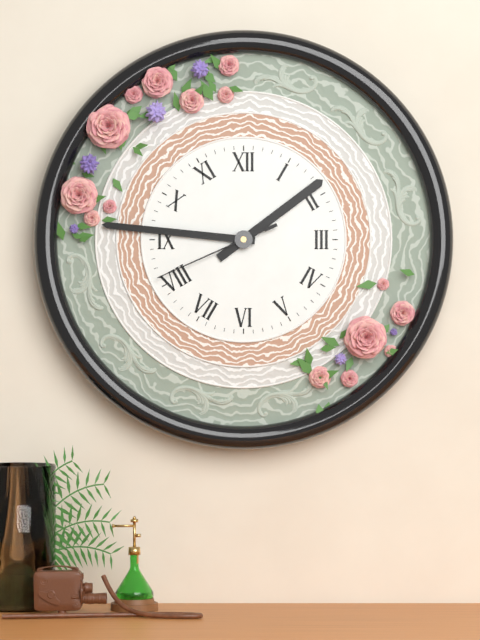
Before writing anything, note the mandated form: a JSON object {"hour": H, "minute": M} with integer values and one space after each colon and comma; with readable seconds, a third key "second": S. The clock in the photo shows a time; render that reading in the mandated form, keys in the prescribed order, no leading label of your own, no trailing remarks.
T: {"hour": 1, "minute": 46, "second": 41}
